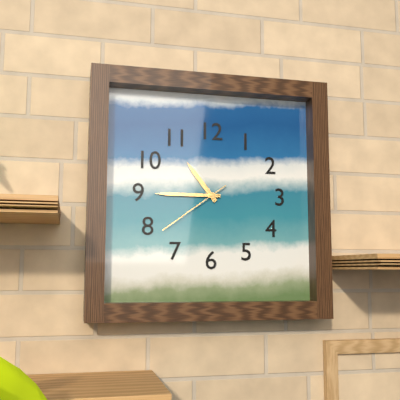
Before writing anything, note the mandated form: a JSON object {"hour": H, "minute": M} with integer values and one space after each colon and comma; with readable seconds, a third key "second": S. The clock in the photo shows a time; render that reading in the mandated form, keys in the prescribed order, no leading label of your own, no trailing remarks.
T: {"hour": 10, "minute": 45, "second": 39}
